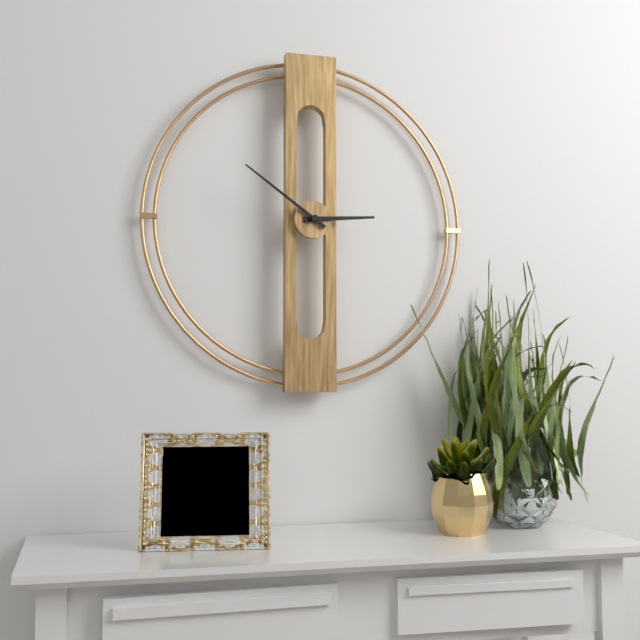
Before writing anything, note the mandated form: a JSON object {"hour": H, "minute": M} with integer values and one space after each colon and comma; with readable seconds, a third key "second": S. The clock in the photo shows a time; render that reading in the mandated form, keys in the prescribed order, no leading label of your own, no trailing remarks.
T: {"hour": 2, "minute": 51}
